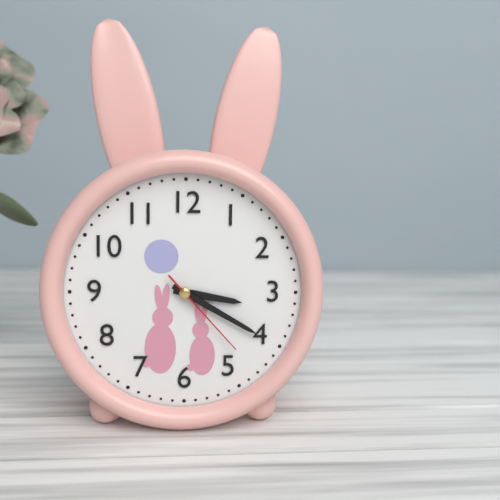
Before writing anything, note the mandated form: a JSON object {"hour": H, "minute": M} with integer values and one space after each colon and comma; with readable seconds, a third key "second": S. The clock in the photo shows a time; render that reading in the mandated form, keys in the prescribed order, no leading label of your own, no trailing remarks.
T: {"hour": 3, "minute": 20, "second": 23}
